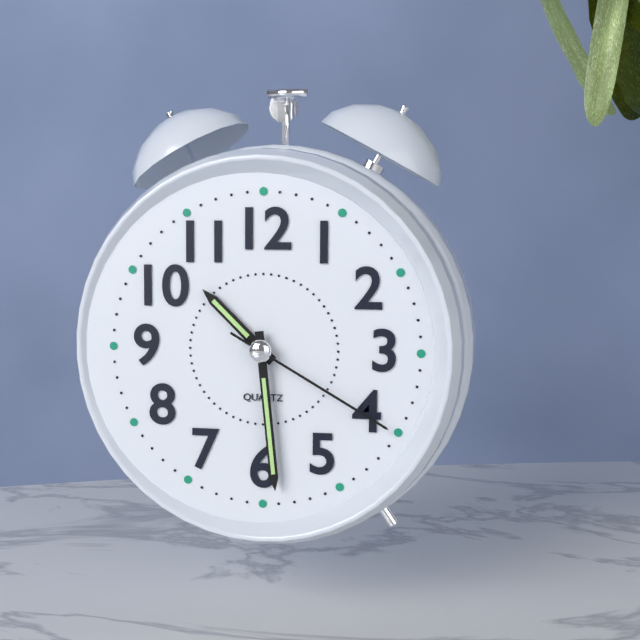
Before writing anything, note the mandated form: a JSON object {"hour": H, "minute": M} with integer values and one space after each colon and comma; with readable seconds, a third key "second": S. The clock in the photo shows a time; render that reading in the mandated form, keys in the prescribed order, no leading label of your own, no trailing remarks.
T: {"hour": 10, "minute": 29, "second": 20}
